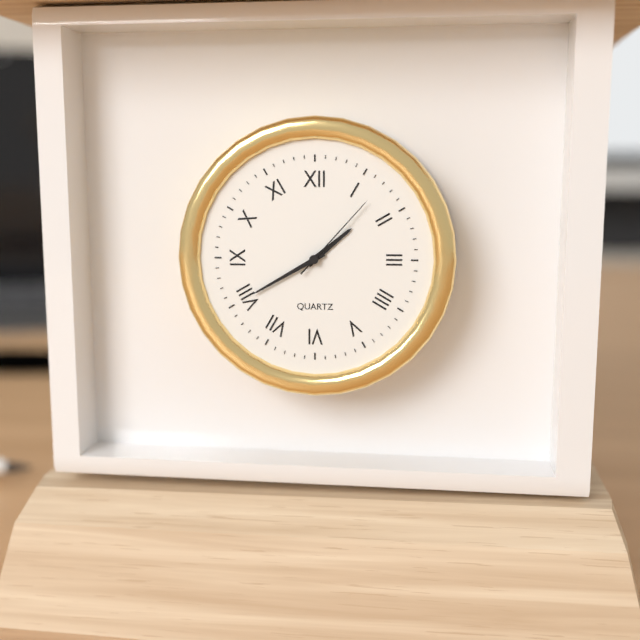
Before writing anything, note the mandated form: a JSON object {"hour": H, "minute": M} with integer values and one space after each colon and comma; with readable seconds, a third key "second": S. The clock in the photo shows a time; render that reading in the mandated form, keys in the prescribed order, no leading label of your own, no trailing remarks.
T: {"hour": 1, "minute": 40, "second": 7}
